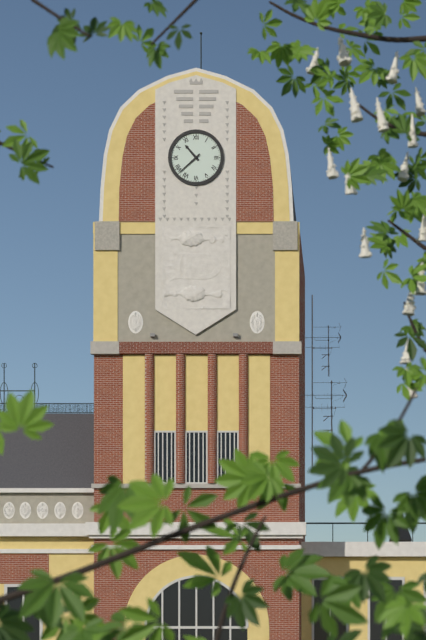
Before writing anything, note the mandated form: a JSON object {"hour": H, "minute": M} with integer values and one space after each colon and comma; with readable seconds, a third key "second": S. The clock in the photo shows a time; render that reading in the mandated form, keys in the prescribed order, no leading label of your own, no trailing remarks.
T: {"hour": 10, "minute": 38}
